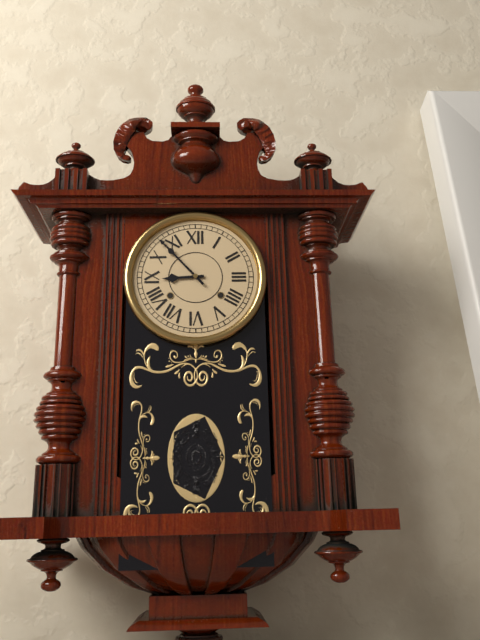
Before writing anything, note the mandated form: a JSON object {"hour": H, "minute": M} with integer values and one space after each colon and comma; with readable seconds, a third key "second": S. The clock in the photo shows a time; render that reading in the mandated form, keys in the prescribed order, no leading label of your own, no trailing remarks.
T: {"hour": 8, "minute": 53}
